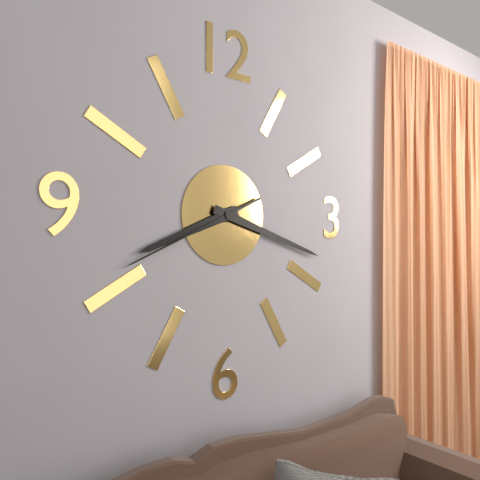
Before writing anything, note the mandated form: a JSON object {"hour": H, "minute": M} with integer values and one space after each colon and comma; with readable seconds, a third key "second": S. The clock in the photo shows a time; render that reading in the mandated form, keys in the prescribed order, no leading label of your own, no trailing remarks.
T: {"hour": 8, "minute": 18, "second": 41}
